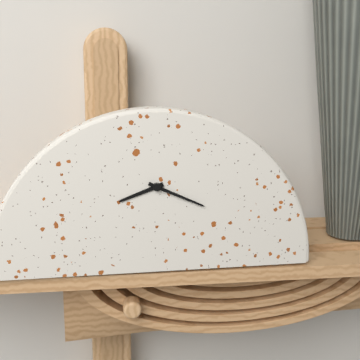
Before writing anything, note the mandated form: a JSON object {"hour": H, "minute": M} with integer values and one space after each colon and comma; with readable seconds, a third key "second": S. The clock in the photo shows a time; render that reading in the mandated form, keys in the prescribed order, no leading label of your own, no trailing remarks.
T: {"hour": 8, "minute": 19}
